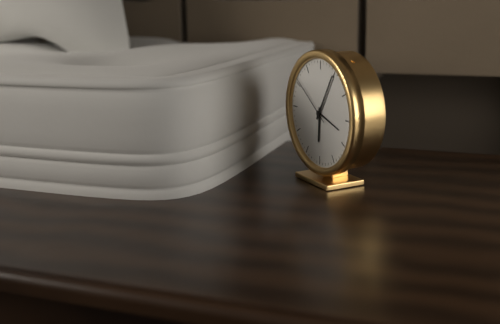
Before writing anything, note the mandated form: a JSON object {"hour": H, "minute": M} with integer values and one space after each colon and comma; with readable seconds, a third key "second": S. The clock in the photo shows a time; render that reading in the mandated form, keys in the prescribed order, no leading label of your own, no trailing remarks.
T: {"hour": 6, "minute": 5, "second": 51}
